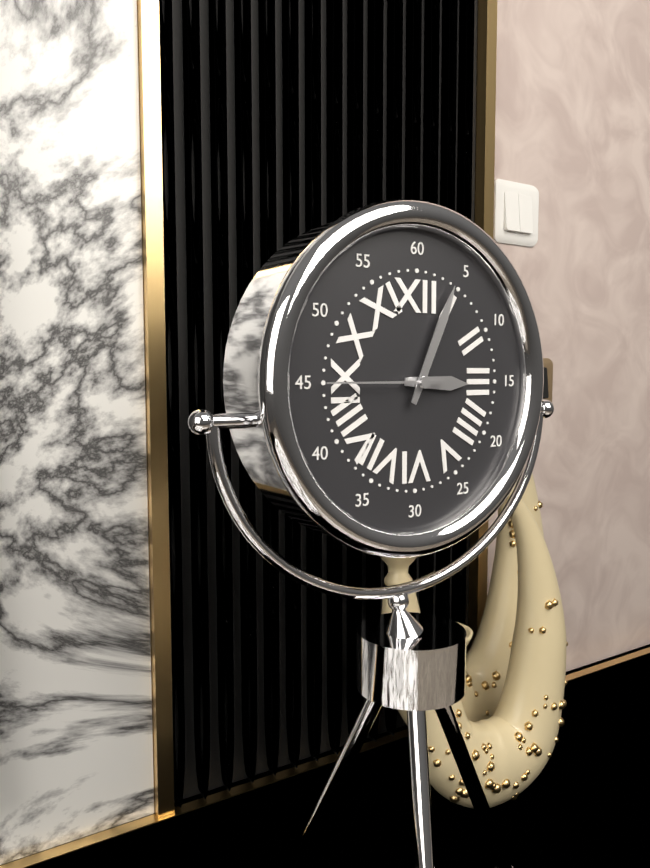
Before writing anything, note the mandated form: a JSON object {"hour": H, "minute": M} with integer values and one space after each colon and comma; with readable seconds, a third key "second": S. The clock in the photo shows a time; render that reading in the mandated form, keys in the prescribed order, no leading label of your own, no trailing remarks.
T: {"hour": 3, "minute": 4, "second": 45}
